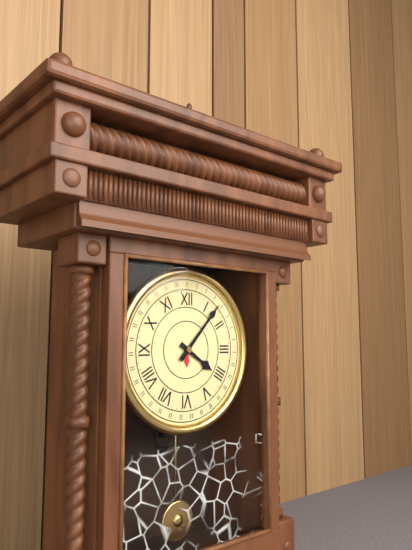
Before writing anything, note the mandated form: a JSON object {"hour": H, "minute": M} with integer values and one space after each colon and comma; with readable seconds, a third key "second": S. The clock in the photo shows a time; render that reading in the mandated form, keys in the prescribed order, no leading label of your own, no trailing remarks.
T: {"hour": 4, "minute": 7}
